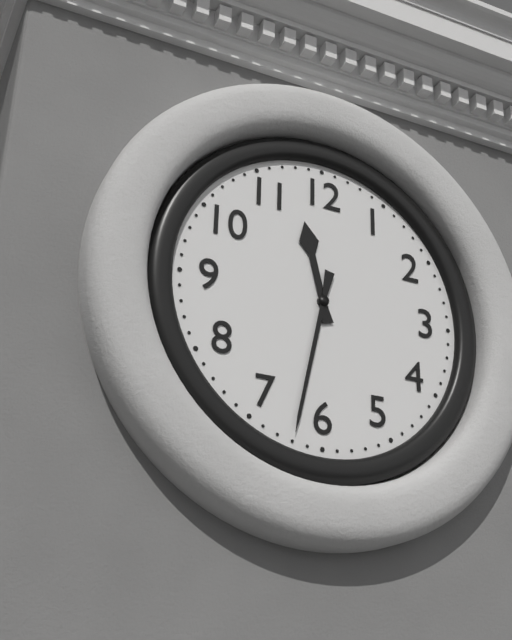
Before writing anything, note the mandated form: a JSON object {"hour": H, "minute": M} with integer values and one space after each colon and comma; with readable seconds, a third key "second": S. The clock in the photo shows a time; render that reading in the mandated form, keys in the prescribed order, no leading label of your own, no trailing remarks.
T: {"hour": 11, "minute": 32}
